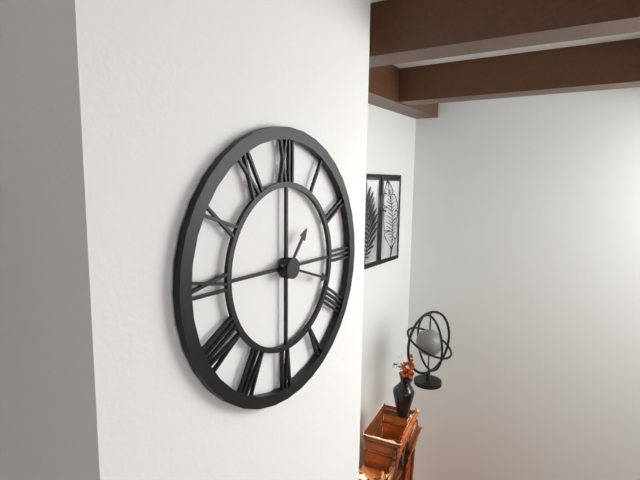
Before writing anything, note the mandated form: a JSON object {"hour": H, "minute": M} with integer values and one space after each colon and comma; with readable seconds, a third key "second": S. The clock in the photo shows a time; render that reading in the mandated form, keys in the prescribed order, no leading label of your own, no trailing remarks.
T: {"hour": 1, "minute": 18}
